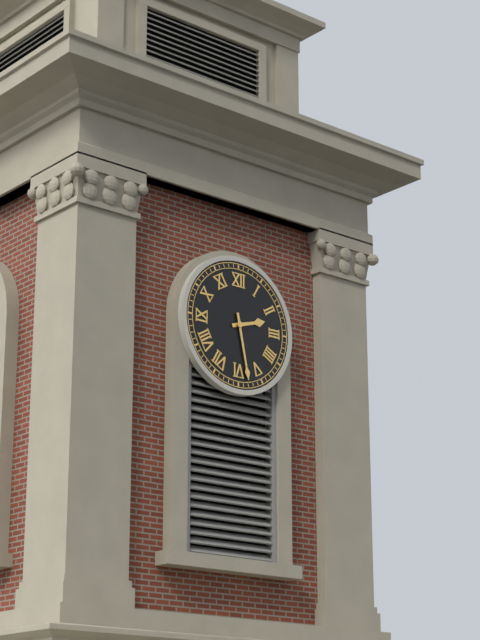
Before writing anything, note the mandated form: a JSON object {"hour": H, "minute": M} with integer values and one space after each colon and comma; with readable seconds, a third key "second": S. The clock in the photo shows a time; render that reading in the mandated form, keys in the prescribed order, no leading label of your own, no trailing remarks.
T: {"hour": 2, "minute": 28}
